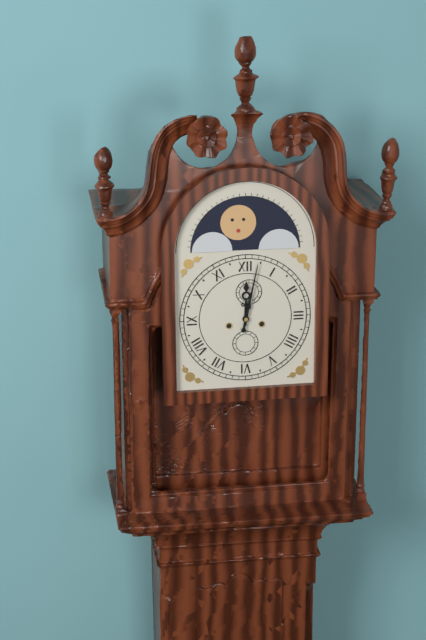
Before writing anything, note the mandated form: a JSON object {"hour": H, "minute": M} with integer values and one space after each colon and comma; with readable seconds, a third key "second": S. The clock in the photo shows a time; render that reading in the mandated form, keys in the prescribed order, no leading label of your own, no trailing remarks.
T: {"hour": 12, "minute": 2}
